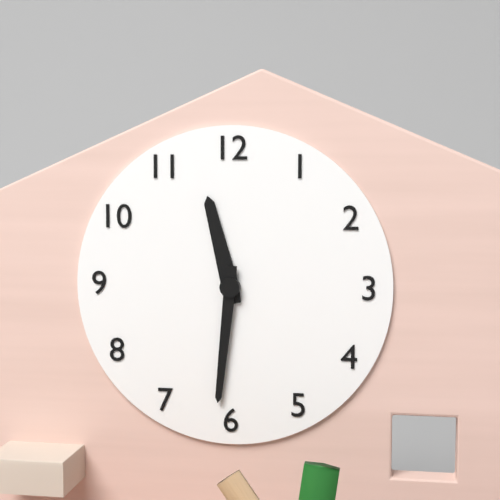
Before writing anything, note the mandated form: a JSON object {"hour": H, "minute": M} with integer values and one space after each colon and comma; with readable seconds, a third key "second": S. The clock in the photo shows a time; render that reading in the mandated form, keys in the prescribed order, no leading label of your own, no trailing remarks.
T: {"hour": 11, "minute": 31}
